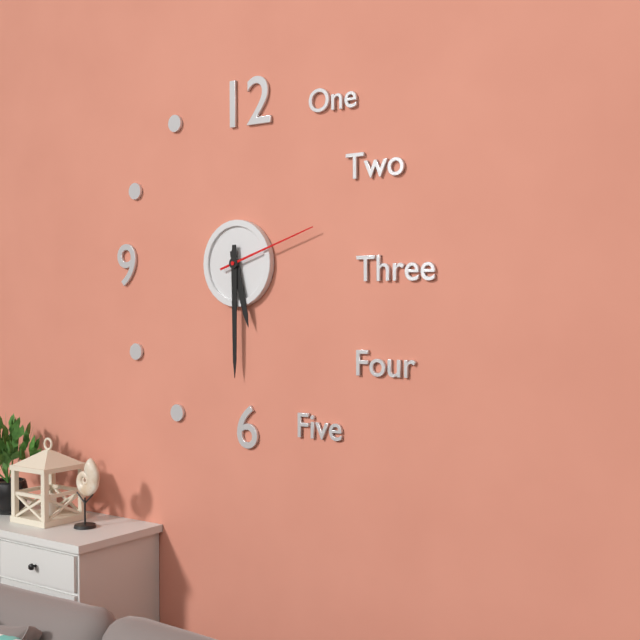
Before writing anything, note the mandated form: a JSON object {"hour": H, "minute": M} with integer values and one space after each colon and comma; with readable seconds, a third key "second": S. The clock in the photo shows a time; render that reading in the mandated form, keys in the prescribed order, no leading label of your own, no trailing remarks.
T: {"hour": 5, "minute": 30, "second": 12}
